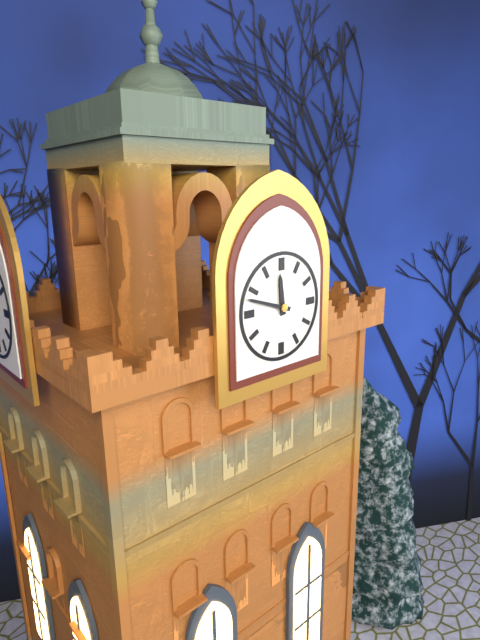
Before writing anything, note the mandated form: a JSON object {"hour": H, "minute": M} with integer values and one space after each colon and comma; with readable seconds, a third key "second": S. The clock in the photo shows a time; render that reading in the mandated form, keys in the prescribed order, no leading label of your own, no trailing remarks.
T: {"hour": 11, "minute": 48}
